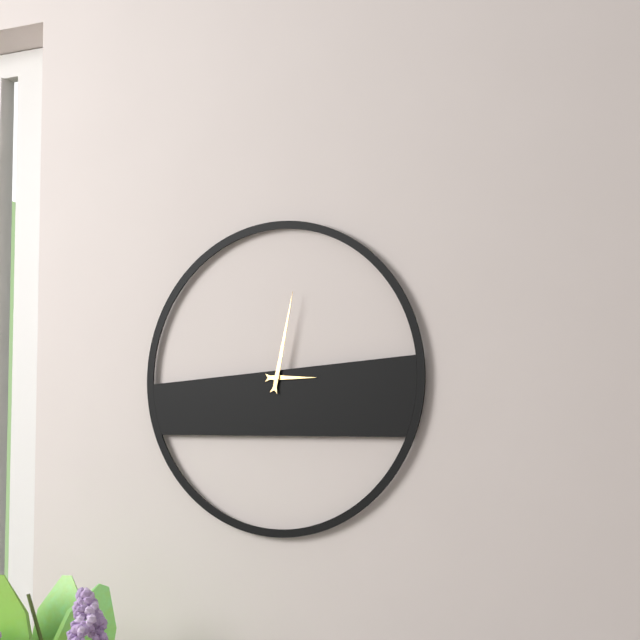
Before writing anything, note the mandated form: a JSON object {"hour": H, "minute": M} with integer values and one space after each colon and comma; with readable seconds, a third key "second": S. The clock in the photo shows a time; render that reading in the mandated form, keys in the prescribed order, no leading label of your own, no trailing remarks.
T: {"hour": 3, "minute": 2}
